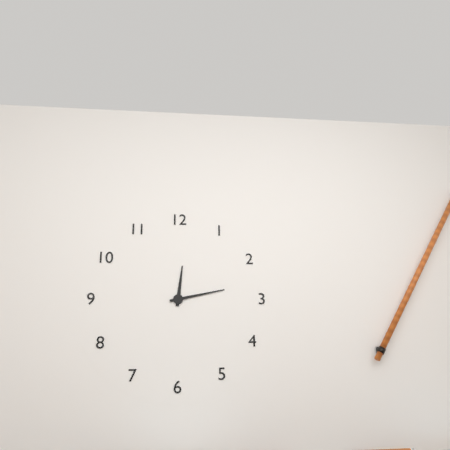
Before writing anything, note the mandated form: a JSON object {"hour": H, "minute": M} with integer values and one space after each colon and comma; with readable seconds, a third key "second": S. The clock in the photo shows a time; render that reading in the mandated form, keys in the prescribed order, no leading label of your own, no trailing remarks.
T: {"hour": 12, "minute": 13}
